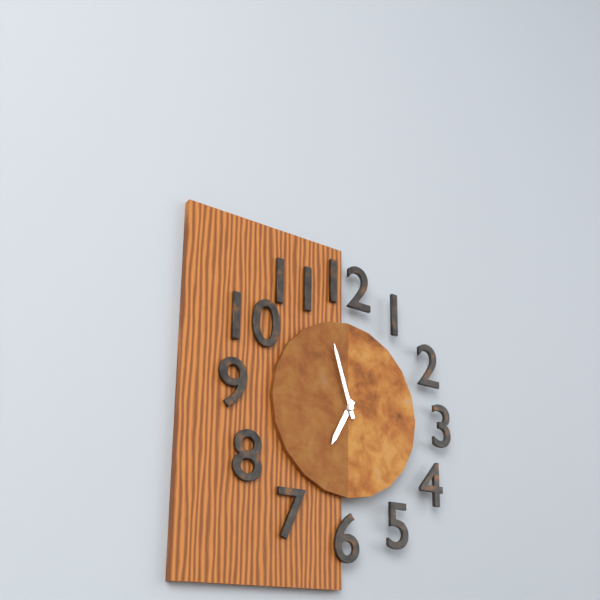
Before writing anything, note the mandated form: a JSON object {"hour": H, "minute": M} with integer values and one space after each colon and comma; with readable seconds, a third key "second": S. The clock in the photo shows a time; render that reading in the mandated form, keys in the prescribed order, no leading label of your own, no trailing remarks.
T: {"hour": 6, "minute": 57}
